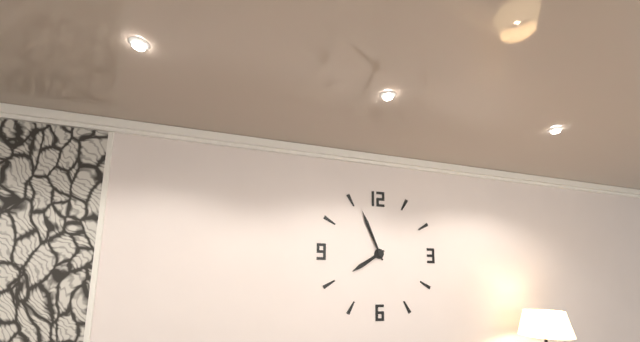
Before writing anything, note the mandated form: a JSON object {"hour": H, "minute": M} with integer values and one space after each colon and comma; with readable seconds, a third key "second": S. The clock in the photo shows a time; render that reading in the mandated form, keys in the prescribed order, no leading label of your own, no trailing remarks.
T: {"hour": 7, "minute": 56}
